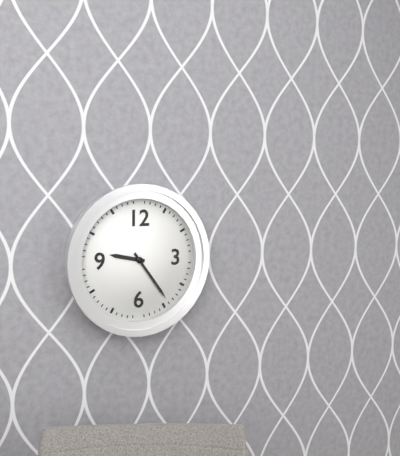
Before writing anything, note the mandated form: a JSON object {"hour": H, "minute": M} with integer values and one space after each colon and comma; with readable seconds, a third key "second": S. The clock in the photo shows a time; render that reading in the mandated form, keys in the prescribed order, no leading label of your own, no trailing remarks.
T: {"hour": 9, "minute": 24}
